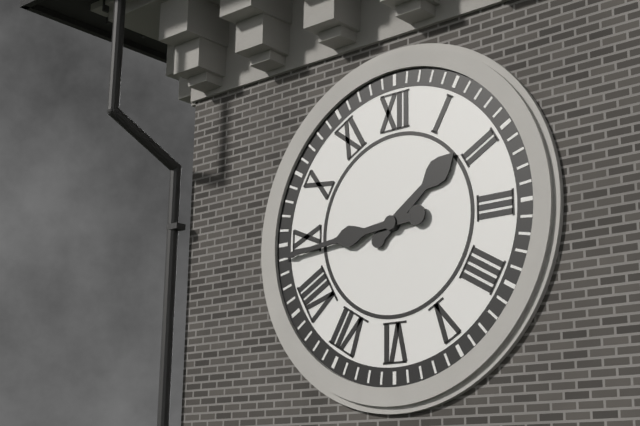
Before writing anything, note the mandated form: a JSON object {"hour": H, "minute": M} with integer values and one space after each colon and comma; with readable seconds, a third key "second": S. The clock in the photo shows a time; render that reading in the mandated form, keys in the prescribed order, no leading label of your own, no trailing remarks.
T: {"hour": 1, "minute": 44}
